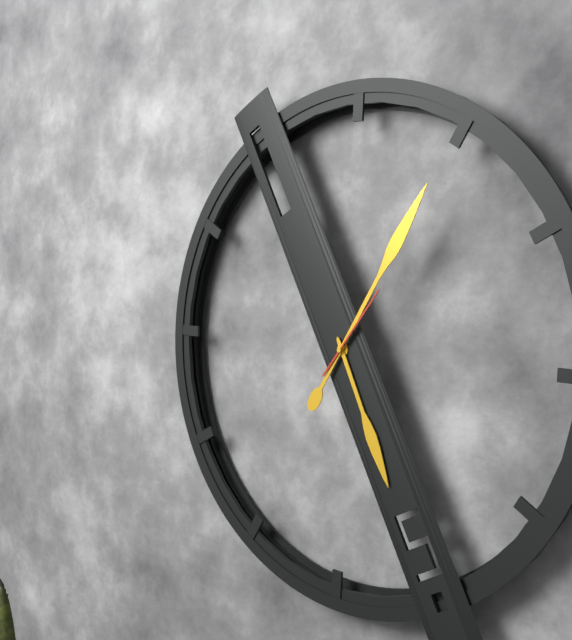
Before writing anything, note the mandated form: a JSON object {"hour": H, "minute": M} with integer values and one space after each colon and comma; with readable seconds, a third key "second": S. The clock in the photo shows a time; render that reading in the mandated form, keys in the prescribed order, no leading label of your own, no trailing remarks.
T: {"hour": 5, "minute": 5, "second": 6}
